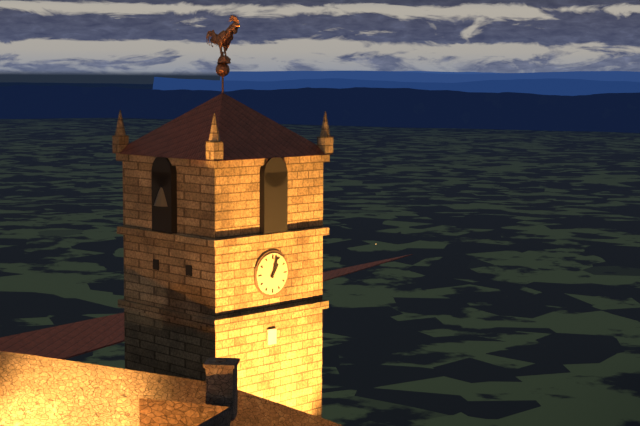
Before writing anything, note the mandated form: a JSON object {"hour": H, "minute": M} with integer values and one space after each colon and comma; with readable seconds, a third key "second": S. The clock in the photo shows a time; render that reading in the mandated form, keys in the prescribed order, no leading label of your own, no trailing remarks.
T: {"hour": 1, "minute": 3}
